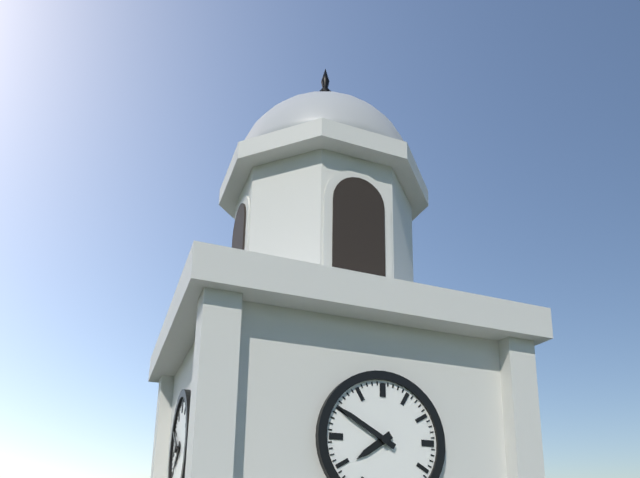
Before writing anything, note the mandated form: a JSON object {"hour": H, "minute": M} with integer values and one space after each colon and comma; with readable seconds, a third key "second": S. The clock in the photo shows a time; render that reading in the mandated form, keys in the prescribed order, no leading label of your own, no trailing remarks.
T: {"hour": 7, "minute": 50}
